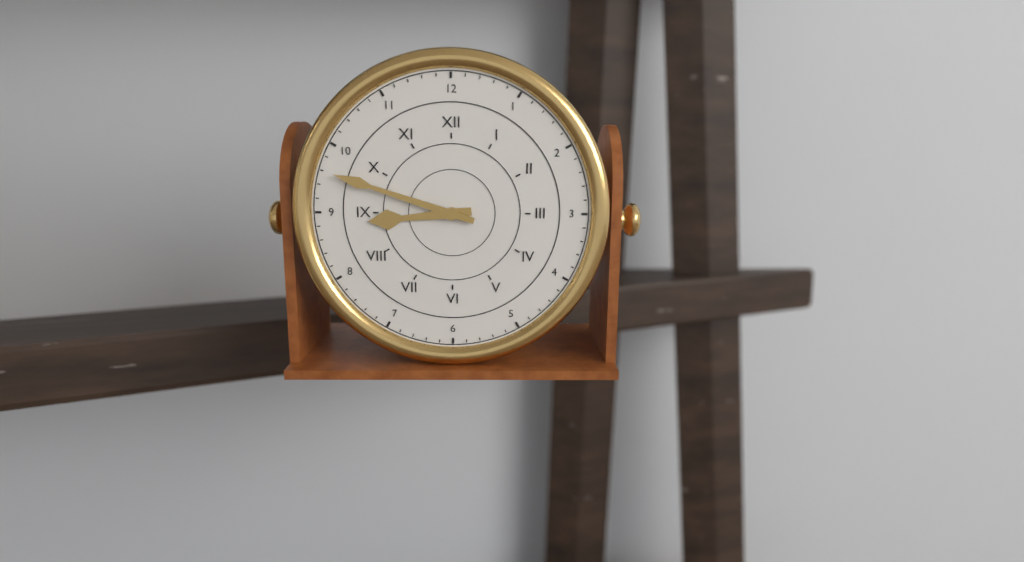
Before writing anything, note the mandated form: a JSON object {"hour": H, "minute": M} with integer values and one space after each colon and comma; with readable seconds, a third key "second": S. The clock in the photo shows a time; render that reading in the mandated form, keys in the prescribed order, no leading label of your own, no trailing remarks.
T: {"hour": 8, "minute": 48}
